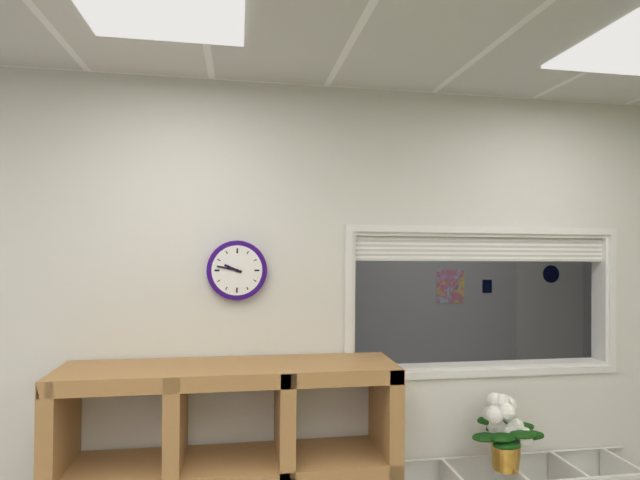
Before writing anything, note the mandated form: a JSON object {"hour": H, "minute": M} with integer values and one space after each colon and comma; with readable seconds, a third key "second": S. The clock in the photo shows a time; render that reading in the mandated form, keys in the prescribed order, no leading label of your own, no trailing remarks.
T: {"hour": 9, "minute": 47}
